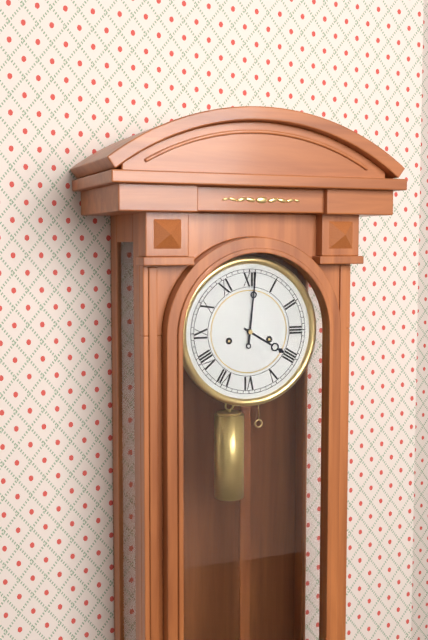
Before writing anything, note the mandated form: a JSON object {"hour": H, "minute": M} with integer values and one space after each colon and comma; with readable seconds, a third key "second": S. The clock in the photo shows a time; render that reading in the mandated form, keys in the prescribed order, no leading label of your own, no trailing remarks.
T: {"hour": 4, "minute": 1}
